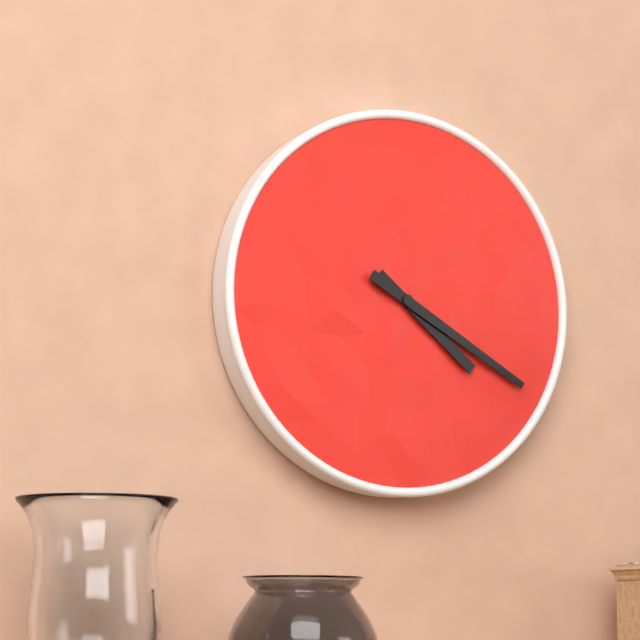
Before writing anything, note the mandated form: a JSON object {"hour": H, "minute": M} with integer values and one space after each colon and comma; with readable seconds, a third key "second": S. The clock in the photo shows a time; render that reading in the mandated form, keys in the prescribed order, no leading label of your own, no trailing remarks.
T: {"hour": 4, "minute": 20}
